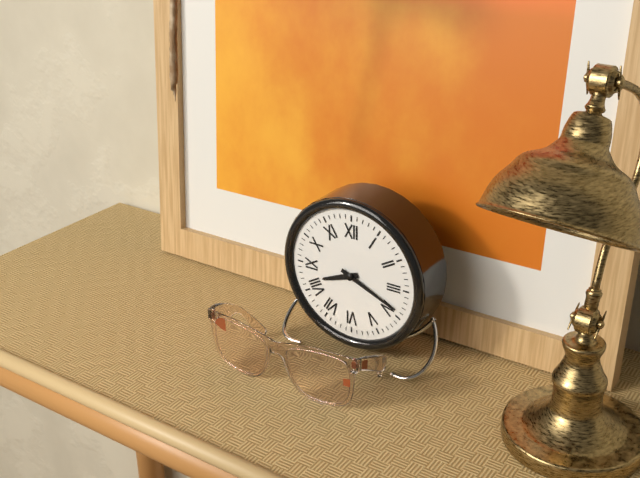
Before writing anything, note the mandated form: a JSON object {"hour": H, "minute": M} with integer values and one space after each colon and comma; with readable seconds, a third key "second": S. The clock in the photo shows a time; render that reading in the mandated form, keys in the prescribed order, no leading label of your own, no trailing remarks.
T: {"hour": 8, "minute": 19}
